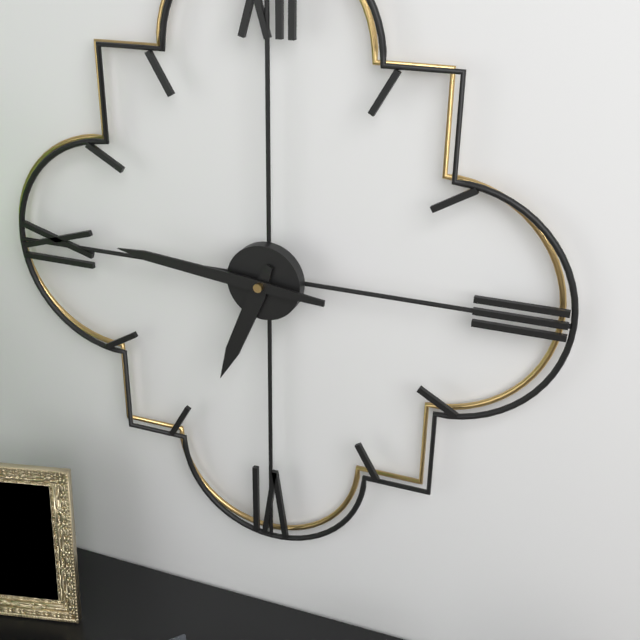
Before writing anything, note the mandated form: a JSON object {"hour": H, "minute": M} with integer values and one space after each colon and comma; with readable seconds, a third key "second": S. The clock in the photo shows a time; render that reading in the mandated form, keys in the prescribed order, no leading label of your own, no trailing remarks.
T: {"hour": 6, "minute": 46}
